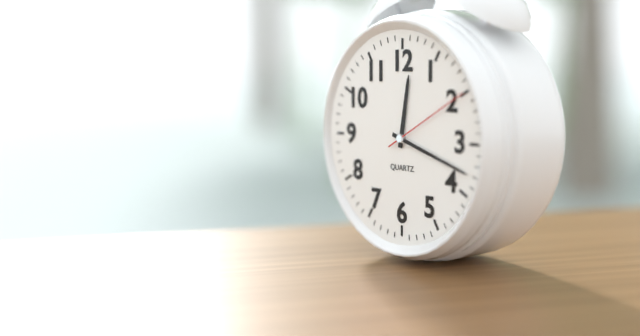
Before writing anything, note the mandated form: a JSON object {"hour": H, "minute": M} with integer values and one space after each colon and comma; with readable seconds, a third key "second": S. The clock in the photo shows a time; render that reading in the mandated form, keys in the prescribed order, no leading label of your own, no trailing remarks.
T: {"hour": 12, "minute": 18, "second": 10}
